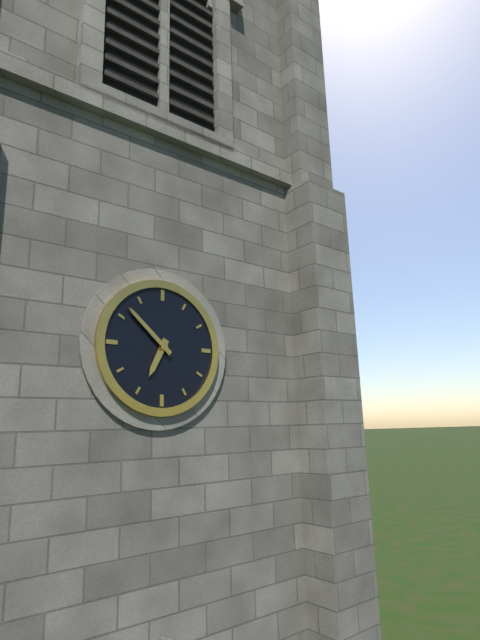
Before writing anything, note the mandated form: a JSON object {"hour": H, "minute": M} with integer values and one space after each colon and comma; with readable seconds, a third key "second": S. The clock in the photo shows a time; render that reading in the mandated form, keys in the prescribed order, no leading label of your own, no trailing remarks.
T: {"hour": 6, "minute": 52}
